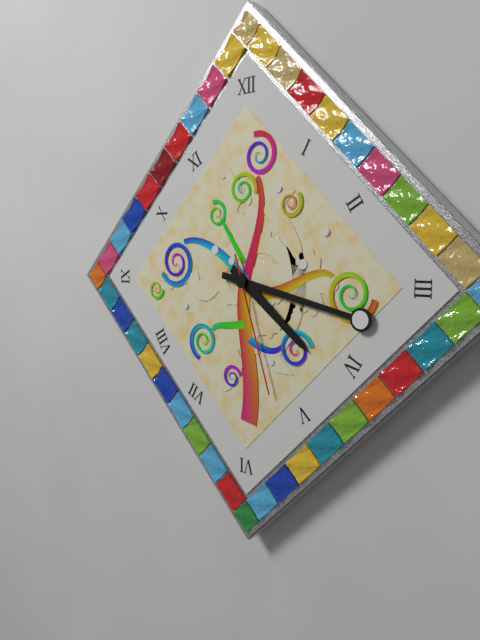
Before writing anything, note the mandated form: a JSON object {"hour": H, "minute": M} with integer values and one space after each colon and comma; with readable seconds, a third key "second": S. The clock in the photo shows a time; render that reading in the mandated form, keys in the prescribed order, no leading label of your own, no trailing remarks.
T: {"hour": 4, "minute": 17, "second": 27}
